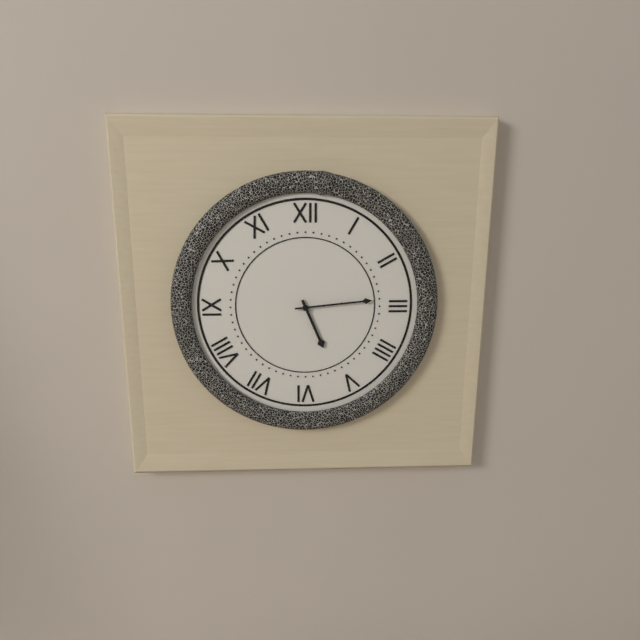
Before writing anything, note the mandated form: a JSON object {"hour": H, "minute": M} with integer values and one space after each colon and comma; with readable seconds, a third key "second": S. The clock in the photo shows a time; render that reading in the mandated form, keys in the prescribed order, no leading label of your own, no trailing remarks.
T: {"hour": 5, "minute": 14}
